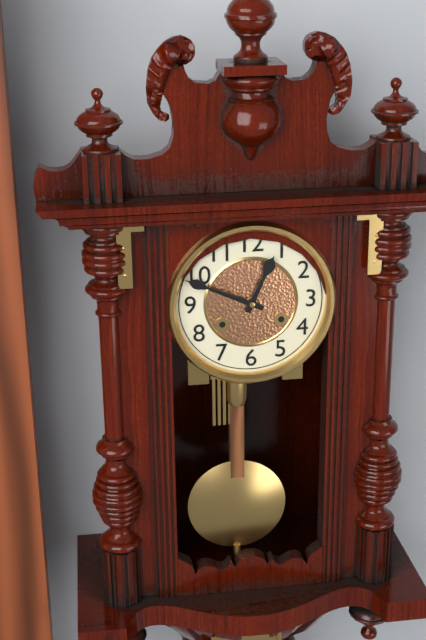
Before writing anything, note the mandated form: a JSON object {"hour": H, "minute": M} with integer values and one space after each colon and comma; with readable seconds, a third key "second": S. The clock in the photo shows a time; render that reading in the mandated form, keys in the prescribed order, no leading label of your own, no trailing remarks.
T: {"hour": 12, "minute": 49}
